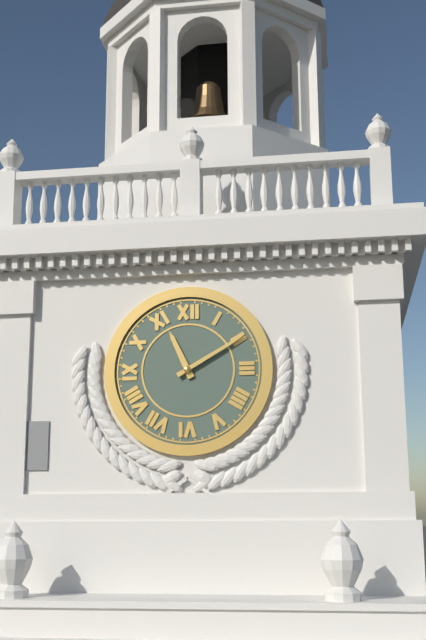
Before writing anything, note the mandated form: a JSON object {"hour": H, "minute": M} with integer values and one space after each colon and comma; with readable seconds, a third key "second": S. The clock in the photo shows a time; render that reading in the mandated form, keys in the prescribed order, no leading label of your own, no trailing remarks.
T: {"hour": 11, "minute": 10}
